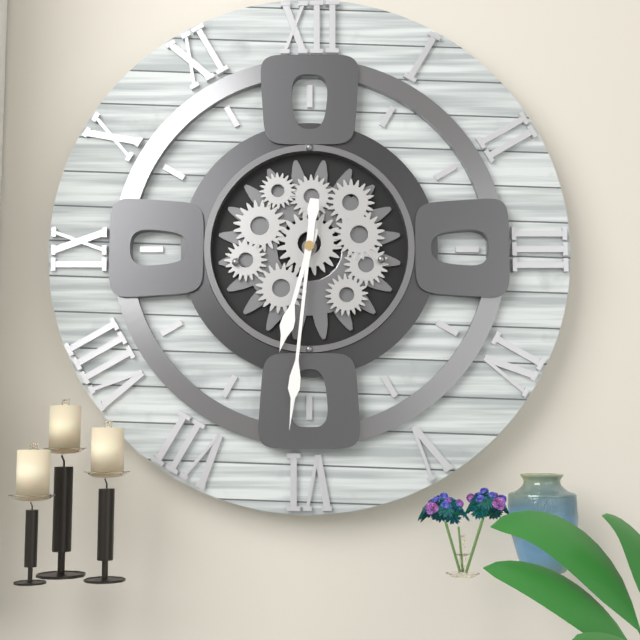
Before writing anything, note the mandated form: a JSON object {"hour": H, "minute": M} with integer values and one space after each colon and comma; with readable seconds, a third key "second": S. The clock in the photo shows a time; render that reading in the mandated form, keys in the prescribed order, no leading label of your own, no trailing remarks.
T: {"hour": 6, "minute": 31}
